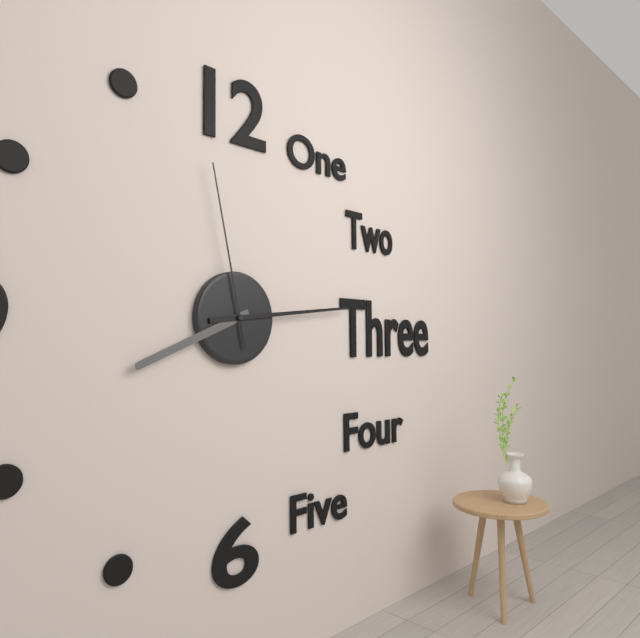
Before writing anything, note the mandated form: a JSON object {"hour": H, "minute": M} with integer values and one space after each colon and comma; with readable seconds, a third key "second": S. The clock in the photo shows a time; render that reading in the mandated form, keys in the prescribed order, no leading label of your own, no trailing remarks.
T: {"hour": 8, "minute": 14, "second": 58}
